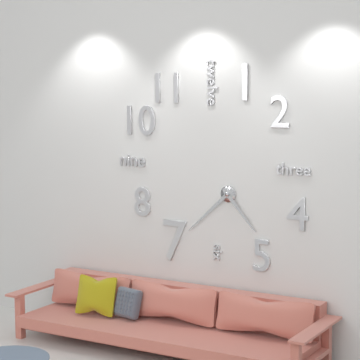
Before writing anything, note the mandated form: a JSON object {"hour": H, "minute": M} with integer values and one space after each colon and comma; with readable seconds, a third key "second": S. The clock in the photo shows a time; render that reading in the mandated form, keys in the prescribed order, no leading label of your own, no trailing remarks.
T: {"hour": 4, "minute": 38}
